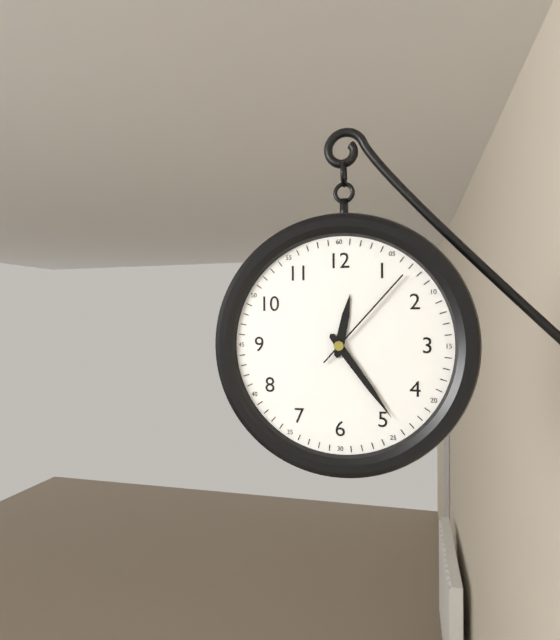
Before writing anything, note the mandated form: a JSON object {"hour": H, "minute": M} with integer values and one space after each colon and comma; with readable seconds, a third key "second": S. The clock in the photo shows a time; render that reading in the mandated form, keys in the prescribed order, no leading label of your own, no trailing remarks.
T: {"hour": 12, "minute": 24, "second": 7}
